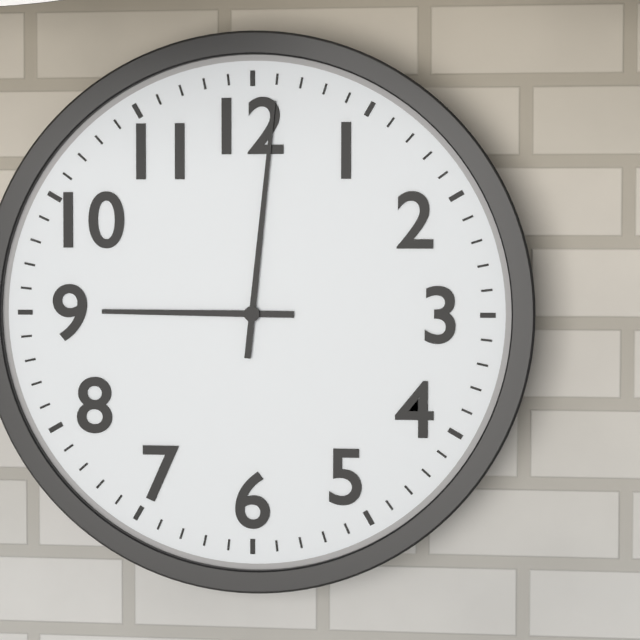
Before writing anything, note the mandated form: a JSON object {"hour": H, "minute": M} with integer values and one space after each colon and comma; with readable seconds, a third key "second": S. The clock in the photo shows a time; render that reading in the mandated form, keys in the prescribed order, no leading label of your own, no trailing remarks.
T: {"hour": 9, "minute": 1}
